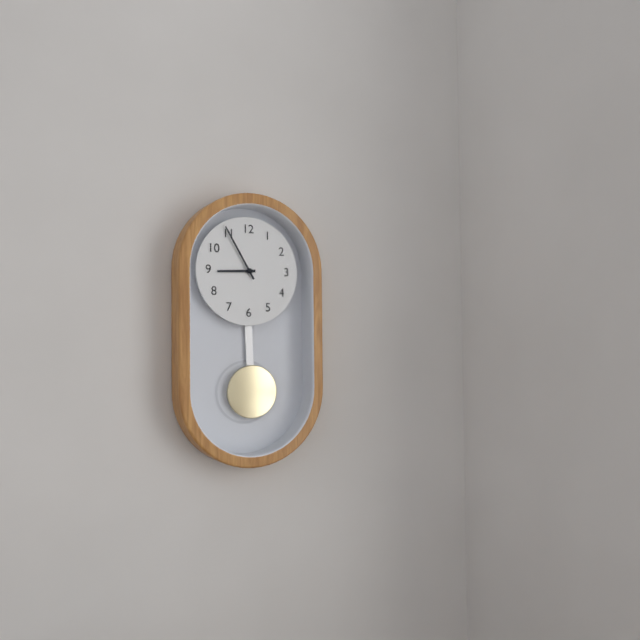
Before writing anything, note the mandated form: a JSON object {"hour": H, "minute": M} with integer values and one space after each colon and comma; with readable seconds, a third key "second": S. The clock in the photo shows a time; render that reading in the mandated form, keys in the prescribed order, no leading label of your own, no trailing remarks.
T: {"hour": 8, "minute": 55}
